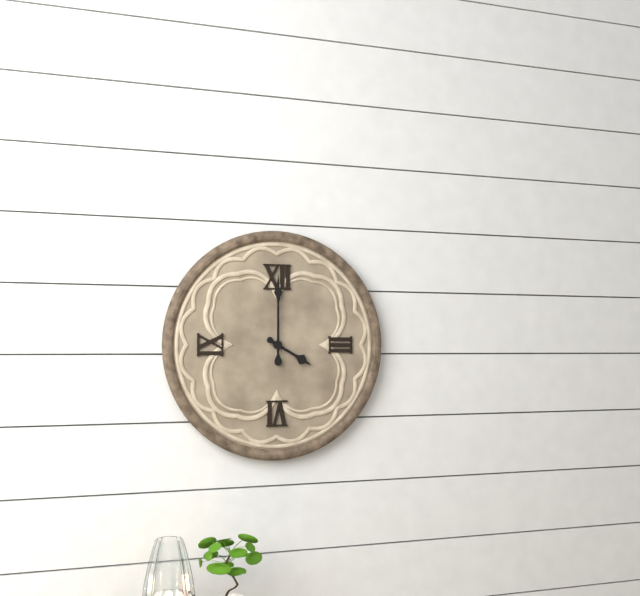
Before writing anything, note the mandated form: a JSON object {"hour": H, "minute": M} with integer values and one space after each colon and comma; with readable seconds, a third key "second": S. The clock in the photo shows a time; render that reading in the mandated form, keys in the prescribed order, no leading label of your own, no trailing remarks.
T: {"hour": 4, "minute": 0}
